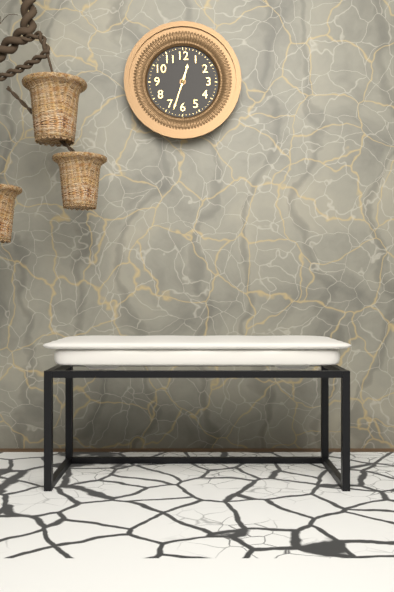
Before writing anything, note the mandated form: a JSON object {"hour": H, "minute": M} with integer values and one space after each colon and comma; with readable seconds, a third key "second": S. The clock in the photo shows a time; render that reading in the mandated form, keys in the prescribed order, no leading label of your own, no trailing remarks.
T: {"hour": 12, "minute": 33}
